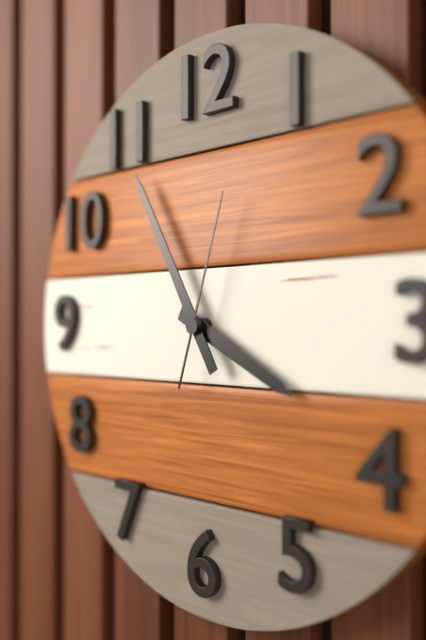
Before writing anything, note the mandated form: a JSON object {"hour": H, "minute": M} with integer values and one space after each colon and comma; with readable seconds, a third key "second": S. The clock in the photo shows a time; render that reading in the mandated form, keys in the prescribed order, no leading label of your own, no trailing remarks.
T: {"hour": 3, "minute": 55, "second": 3}
